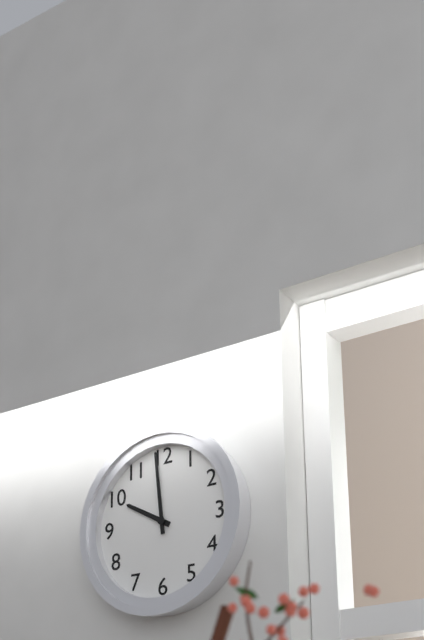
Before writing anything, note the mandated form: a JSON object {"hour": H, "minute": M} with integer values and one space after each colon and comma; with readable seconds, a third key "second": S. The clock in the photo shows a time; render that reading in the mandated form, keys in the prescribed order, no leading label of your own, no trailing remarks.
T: {"hour": 9, "minute": 59}
